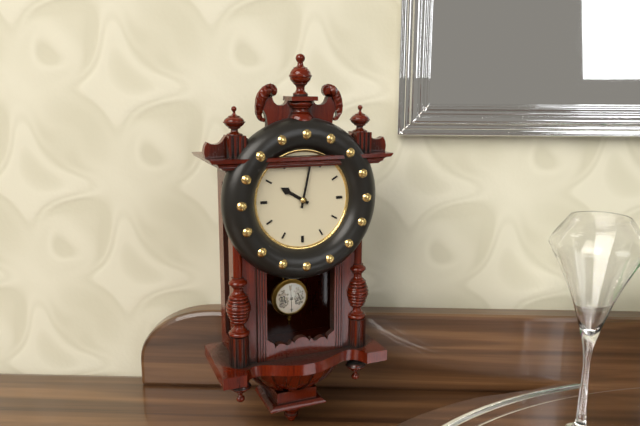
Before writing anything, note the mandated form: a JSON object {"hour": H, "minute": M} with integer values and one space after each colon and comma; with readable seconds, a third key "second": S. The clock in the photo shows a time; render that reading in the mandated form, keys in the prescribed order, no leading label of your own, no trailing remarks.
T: {"hour": 10, "minute": 2}
